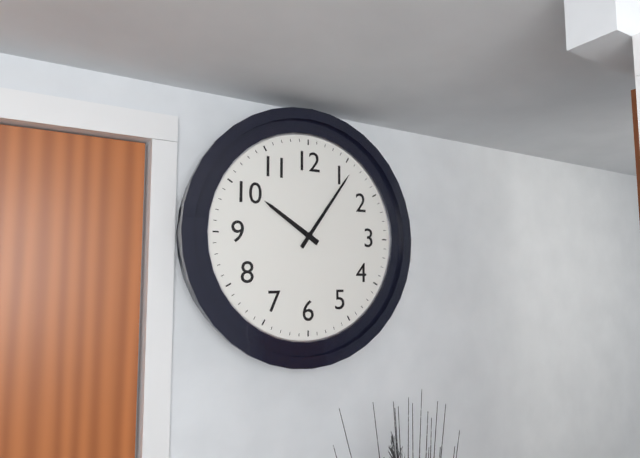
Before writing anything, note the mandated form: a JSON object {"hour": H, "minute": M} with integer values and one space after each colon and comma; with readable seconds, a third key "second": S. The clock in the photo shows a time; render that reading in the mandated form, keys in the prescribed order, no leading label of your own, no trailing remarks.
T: {"hour": 10, "minute": 6}
